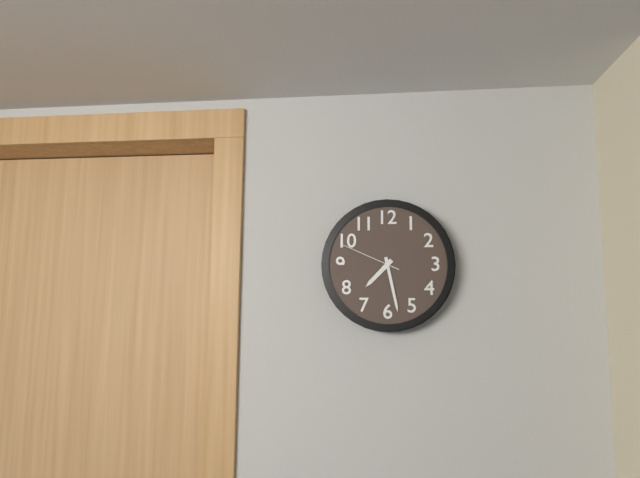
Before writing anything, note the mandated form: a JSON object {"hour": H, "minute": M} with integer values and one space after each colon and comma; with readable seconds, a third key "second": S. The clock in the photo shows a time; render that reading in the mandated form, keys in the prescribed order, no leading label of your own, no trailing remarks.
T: {"hour": 7, "minute": 28, "second": 49}
